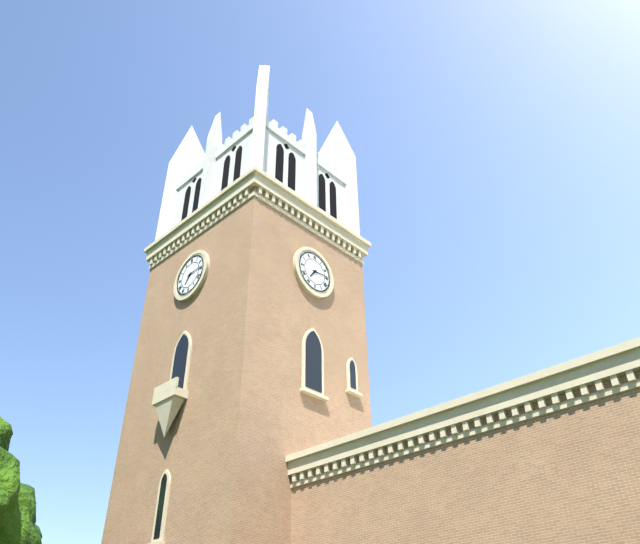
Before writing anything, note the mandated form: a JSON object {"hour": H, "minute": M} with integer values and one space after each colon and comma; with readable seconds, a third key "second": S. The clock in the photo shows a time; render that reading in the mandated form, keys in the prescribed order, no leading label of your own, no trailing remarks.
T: {"hour": 7, "minute": 14}
